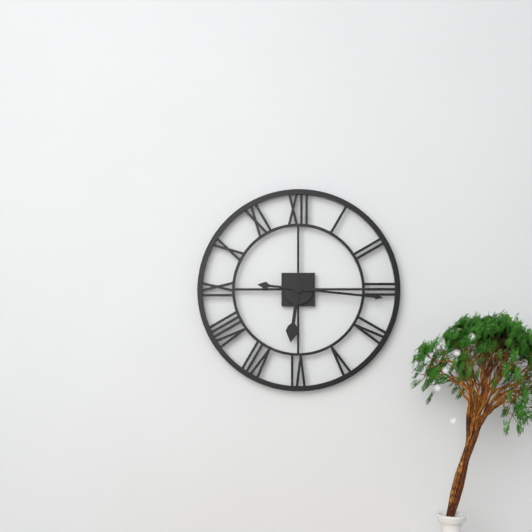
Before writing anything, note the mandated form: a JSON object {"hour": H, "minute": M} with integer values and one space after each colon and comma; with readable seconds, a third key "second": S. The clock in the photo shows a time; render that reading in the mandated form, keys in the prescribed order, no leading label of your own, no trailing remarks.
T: {"hour": 6, "minute": 16}
